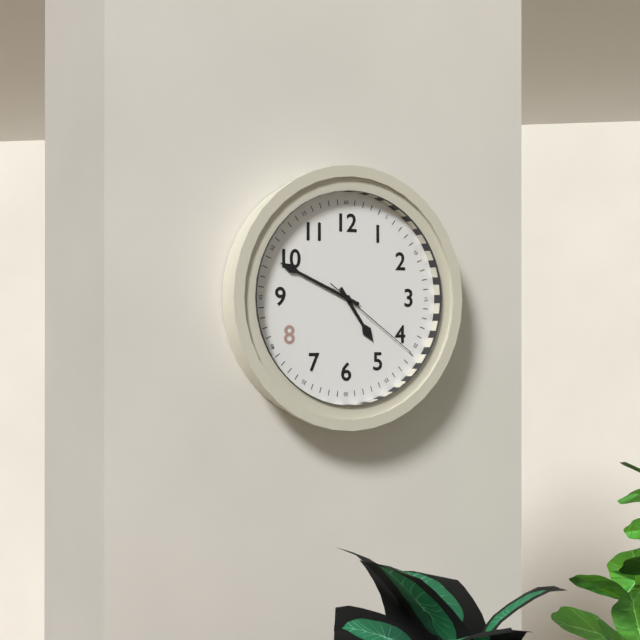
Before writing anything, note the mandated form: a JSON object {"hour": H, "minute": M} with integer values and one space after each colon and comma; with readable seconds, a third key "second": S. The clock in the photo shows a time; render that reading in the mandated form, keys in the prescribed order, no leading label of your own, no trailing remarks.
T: {"hour": 4, "minute": 49, "second": 21}
